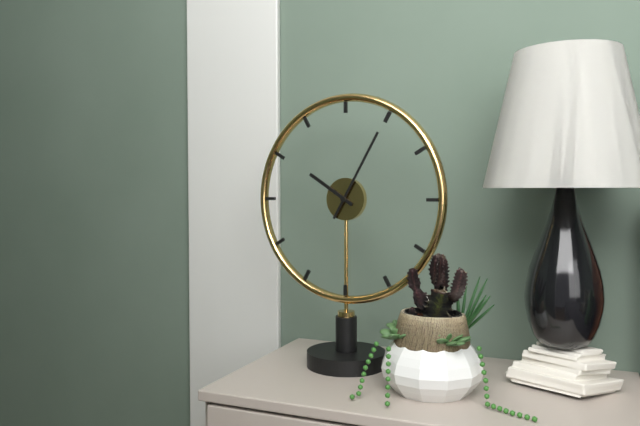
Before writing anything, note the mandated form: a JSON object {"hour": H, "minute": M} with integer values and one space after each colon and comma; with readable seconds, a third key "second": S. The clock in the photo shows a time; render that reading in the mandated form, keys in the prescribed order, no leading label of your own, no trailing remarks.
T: {"hour": 10, "minute": 5}
